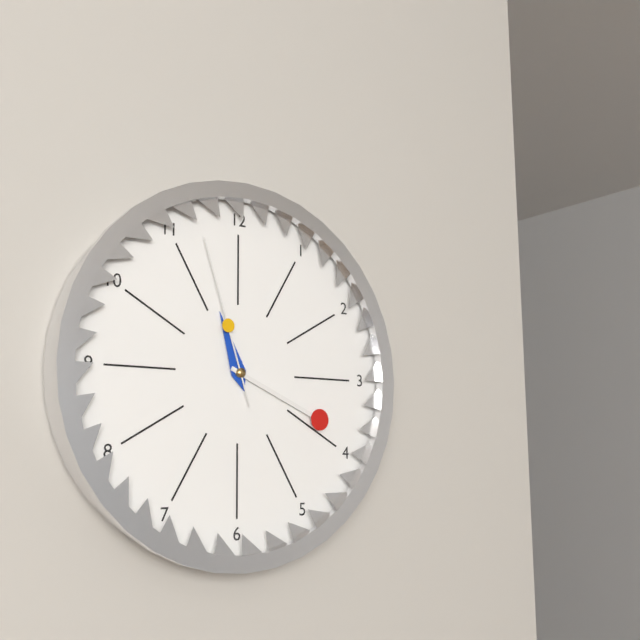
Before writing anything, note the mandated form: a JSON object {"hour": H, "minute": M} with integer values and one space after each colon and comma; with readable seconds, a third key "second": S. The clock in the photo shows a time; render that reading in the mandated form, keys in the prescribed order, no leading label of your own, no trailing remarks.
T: {"hour": 11, "minute": 19, "second": 57}
